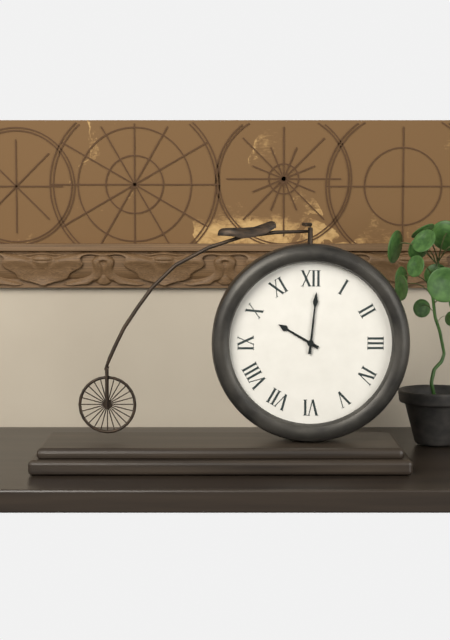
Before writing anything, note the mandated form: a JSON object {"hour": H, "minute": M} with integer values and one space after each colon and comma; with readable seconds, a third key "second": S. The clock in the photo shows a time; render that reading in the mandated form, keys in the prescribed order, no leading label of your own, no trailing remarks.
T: {"hour": 10, "minute": 1}
